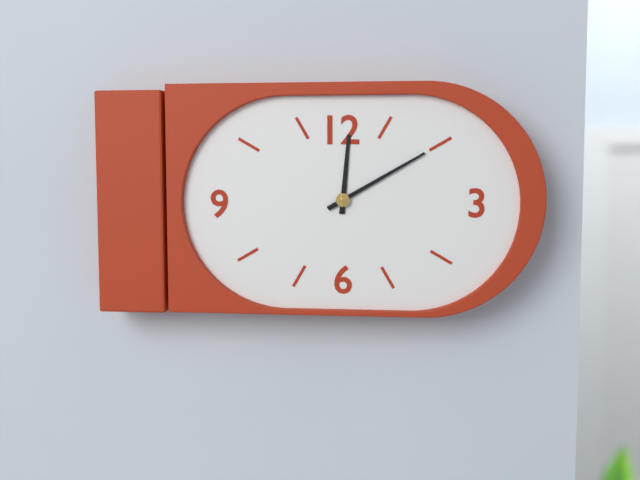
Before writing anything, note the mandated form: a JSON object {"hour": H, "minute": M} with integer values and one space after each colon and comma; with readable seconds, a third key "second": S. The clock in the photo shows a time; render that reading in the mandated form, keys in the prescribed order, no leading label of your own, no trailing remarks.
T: {"hour": 12, "minute": 10}
